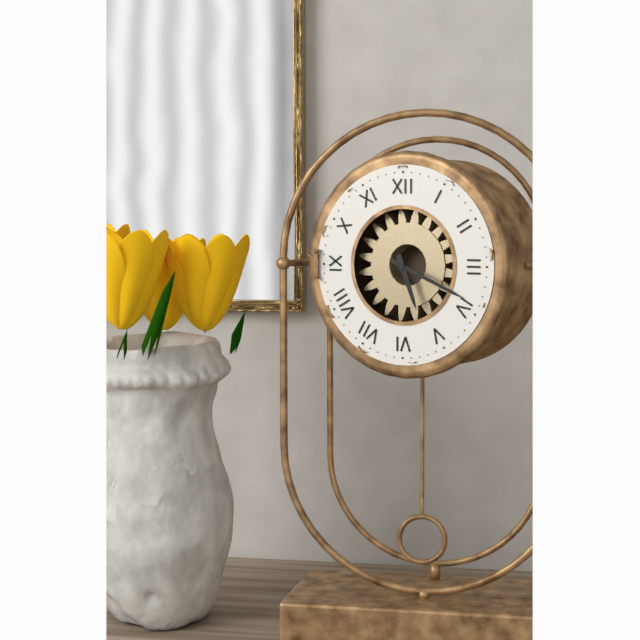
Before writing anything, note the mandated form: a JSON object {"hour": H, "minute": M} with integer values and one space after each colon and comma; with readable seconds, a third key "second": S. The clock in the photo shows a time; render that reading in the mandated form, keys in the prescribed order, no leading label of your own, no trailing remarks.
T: {"hour": 5, "minute": 19}
